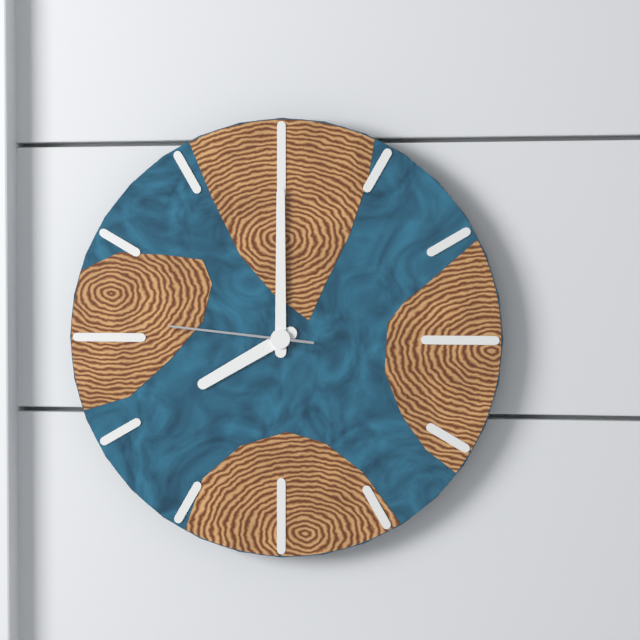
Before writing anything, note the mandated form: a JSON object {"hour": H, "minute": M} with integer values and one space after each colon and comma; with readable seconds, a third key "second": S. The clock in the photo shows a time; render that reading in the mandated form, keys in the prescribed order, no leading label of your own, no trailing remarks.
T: {"hour": 8, "minute": 0, "second": 46}
